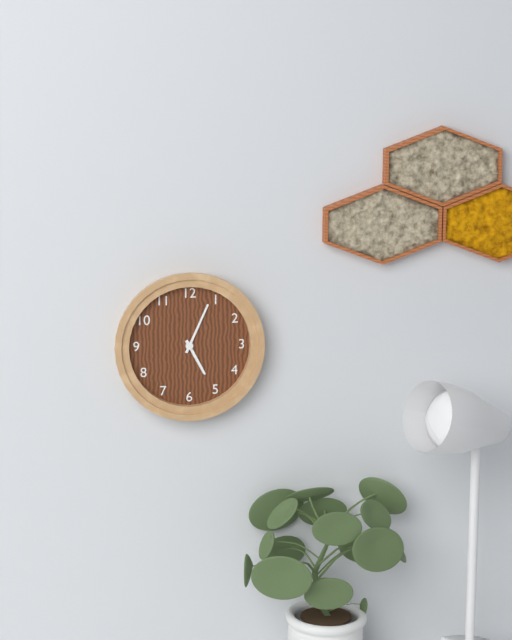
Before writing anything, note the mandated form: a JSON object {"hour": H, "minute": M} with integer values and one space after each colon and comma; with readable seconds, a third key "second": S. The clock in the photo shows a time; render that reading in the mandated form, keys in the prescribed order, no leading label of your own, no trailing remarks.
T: {"hour": 5, "minute": 4}
